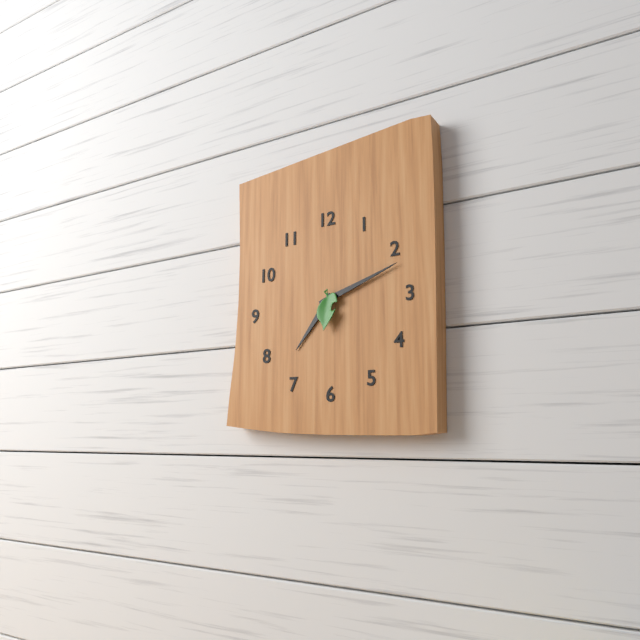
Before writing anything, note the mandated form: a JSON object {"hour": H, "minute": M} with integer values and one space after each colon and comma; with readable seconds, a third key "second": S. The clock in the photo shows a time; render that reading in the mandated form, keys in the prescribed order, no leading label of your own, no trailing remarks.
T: {"hour": 7, "minute": 12}
